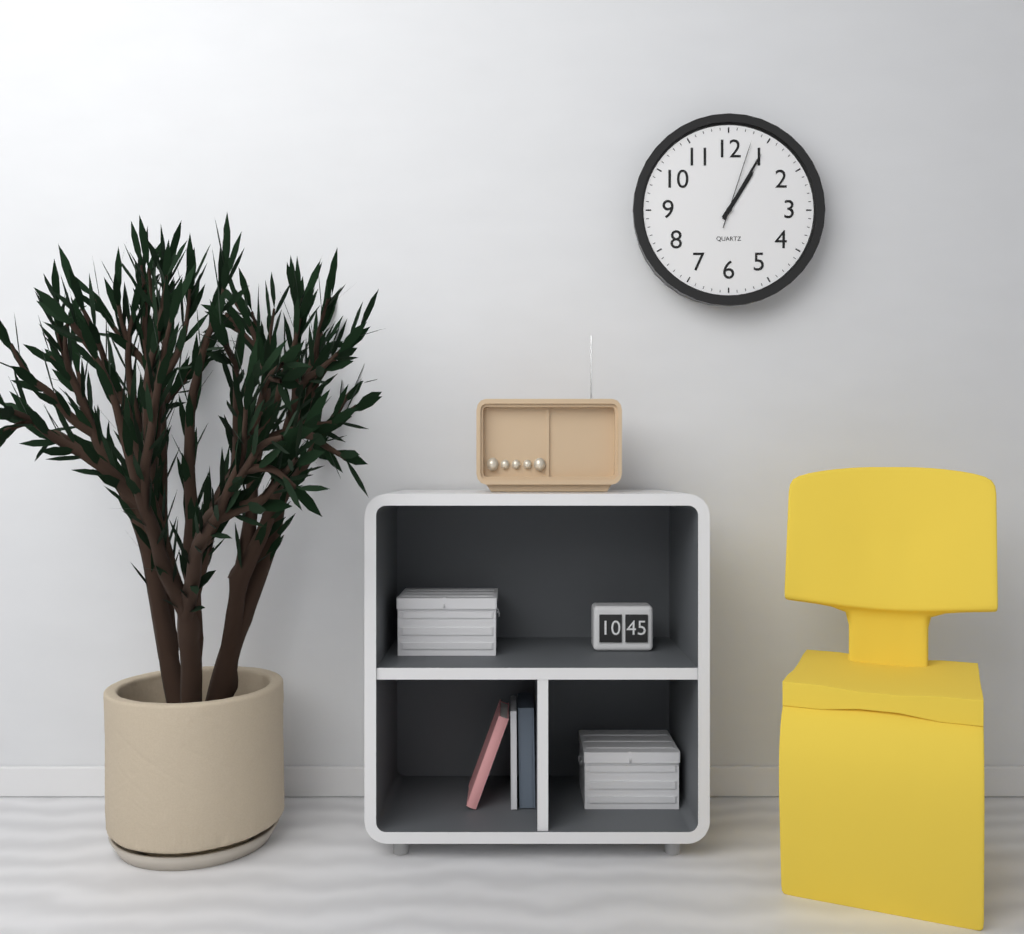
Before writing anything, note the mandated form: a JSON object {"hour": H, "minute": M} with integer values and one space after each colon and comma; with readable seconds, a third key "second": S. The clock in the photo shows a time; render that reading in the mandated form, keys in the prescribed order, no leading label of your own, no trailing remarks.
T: {"hour": 1, "minute": 5, "second": 3}
